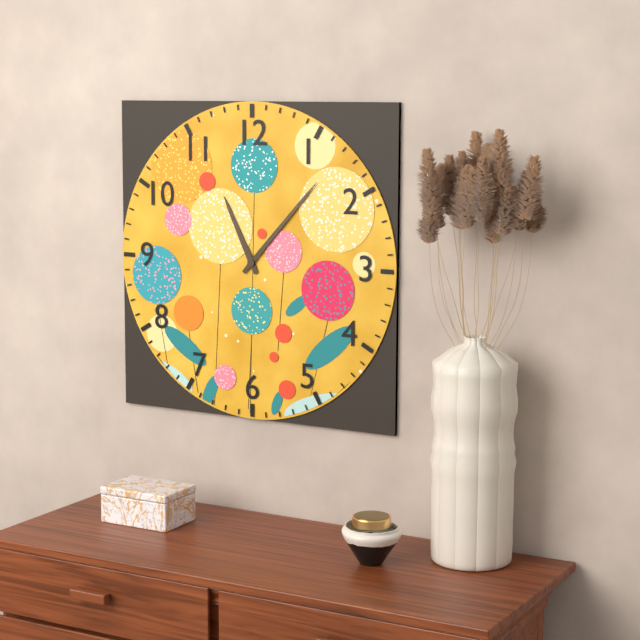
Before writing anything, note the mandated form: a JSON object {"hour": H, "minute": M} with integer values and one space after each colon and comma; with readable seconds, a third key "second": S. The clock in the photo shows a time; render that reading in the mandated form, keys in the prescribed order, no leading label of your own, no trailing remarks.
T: {"hour": 11, "minute": 7}
